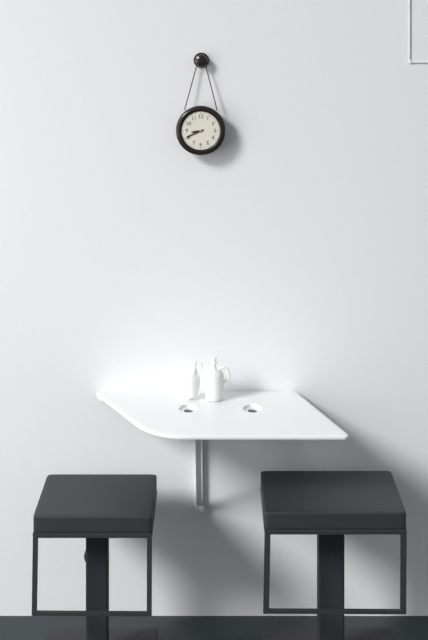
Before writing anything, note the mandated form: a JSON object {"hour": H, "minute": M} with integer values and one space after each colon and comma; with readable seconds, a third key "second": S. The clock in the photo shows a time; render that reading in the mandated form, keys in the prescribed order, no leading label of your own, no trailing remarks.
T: {"hour": 8, "minute": 41}
